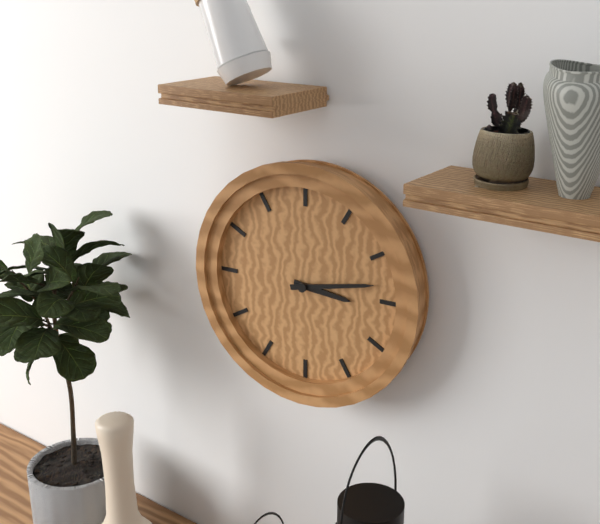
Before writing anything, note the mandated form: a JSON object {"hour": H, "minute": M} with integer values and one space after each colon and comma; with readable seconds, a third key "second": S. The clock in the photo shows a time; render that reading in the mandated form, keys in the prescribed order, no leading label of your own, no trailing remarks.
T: {"hour": 3, "minute": 13}
